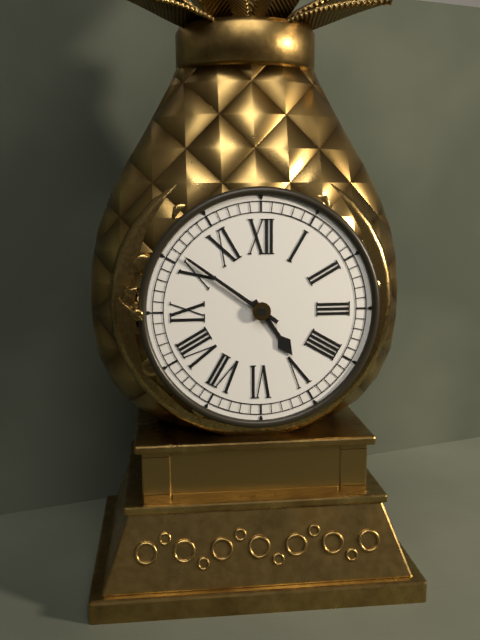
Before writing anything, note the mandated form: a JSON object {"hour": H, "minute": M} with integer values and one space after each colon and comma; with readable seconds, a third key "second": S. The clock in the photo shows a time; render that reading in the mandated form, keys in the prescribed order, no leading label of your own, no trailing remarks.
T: {"hour": 4, "minute": 51}
